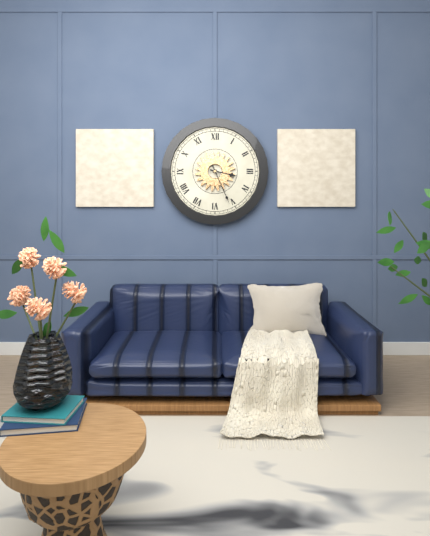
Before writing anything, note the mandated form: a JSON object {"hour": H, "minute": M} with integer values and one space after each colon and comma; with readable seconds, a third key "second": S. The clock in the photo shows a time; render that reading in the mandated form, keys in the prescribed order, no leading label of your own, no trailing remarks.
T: {"hour": 3, "minute": 26}
